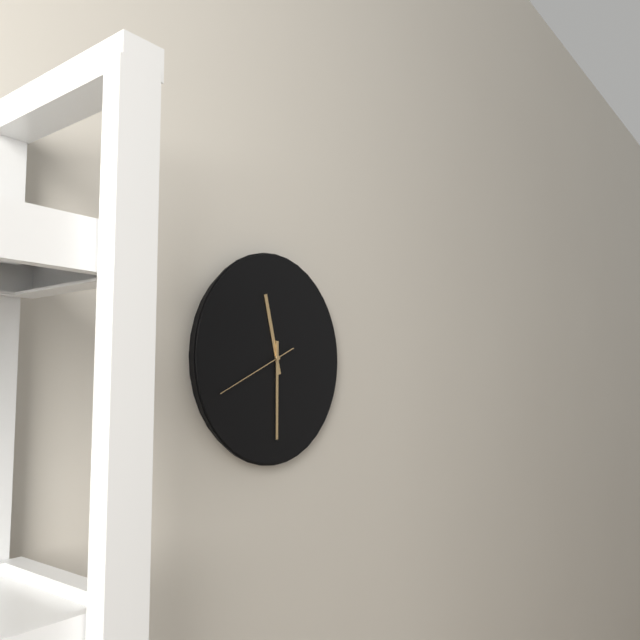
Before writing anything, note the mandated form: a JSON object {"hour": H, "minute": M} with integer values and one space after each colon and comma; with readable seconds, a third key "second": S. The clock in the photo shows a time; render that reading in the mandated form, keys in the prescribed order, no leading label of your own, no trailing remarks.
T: {"hour": 11, "minute": 30, "second": 41}
